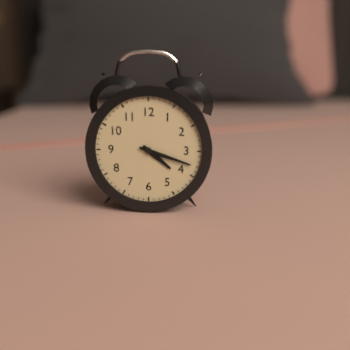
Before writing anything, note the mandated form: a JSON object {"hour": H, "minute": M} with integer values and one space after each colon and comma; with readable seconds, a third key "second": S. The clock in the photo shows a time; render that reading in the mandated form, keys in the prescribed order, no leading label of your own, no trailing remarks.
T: {"hour": 4, "minute": 18}
